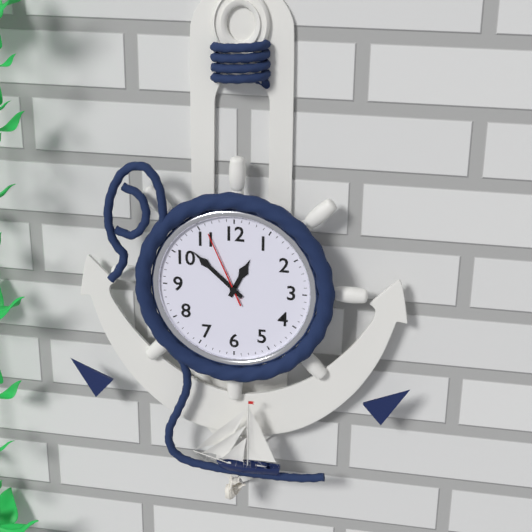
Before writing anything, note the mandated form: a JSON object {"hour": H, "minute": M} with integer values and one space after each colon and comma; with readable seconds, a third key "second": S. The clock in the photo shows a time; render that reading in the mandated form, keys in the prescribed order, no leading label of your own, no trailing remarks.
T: {"hour": 12, "minute": 52, "second": 56}
